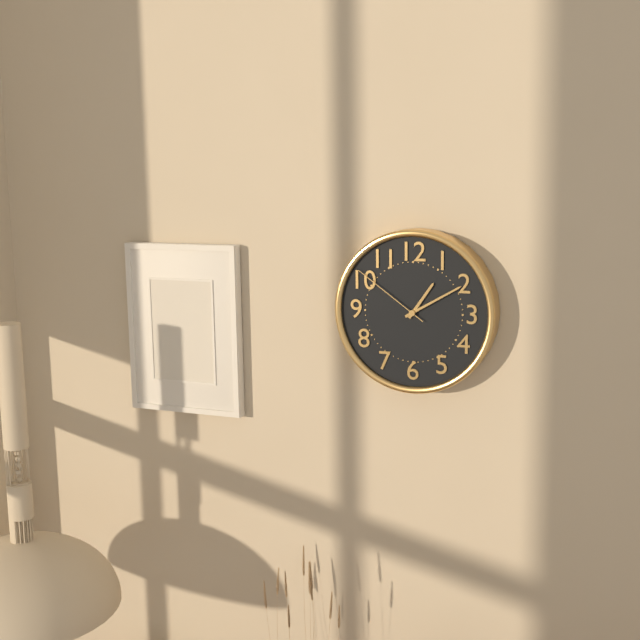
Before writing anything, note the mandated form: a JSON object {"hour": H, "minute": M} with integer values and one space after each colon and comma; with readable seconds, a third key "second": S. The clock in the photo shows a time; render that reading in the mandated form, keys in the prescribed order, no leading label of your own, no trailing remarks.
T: {"hour": 1, "minute": 10, "second": 51}
